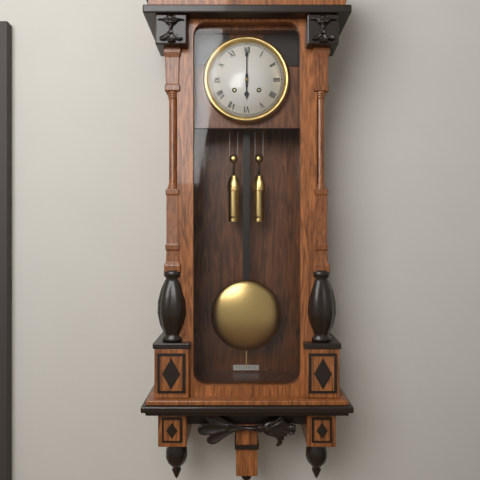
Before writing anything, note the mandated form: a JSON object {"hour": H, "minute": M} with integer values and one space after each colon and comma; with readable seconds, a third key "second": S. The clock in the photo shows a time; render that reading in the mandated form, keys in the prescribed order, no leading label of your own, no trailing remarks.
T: {"hour": 6, "minute": 0}
